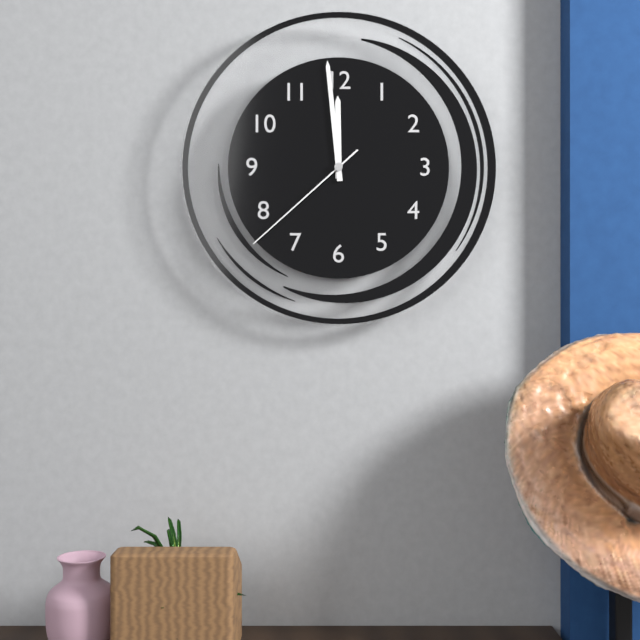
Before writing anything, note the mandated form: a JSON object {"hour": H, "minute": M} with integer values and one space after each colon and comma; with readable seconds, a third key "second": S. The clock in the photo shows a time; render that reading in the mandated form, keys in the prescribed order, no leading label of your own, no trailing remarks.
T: {"hour": 11, "minute": 59, "second": 38}
